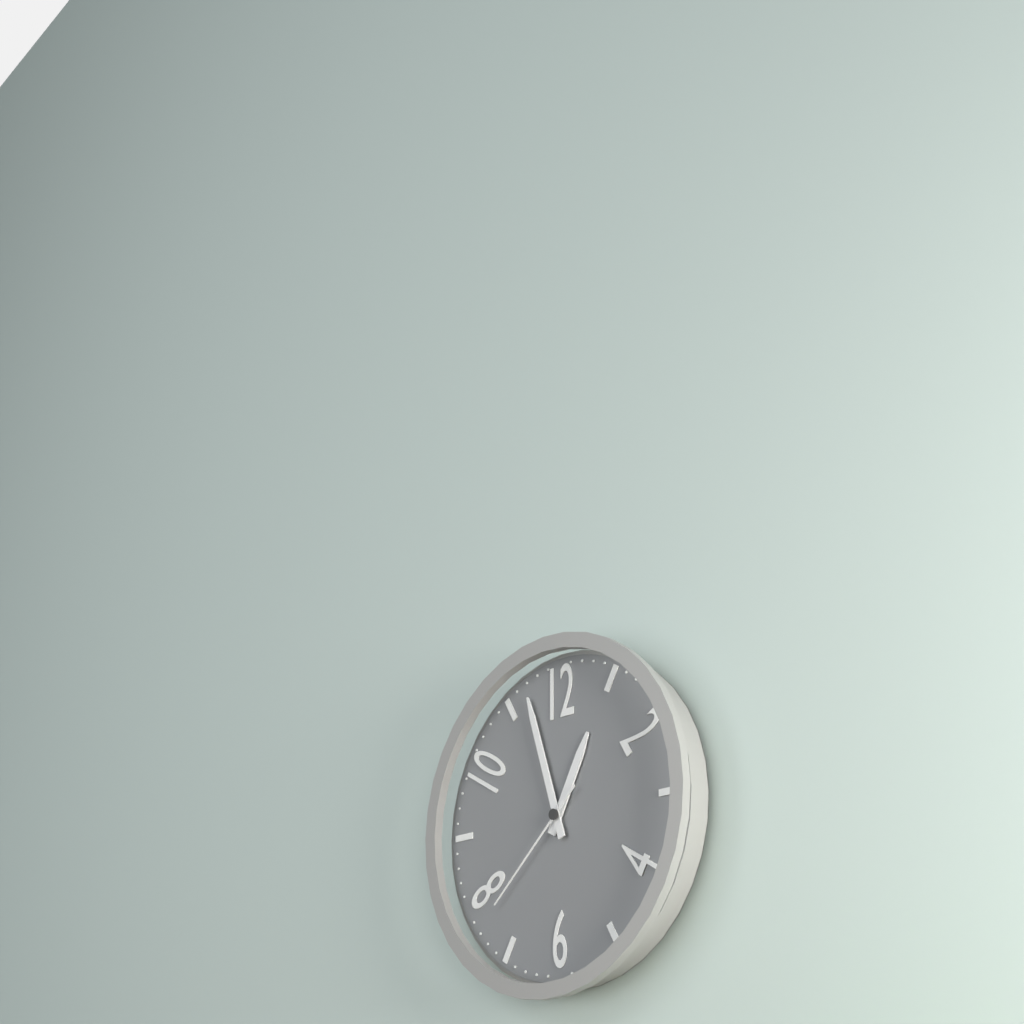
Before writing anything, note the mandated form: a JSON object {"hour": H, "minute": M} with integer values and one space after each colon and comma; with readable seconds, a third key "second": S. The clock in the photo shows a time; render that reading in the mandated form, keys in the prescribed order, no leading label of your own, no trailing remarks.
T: {"hour": 12, "minute": 57, "second": 38}
